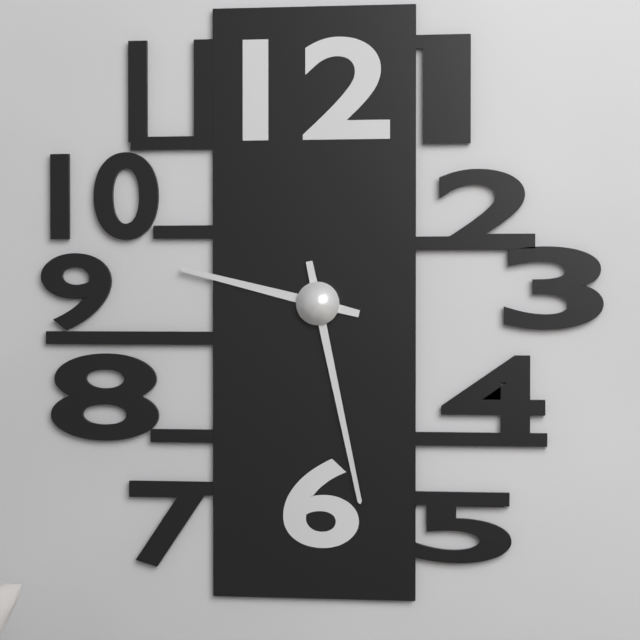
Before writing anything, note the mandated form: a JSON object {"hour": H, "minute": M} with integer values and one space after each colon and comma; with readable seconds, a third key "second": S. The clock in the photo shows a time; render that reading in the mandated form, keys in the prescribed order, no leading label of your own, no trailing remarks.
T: {"hour": 9, "minute": 28}
